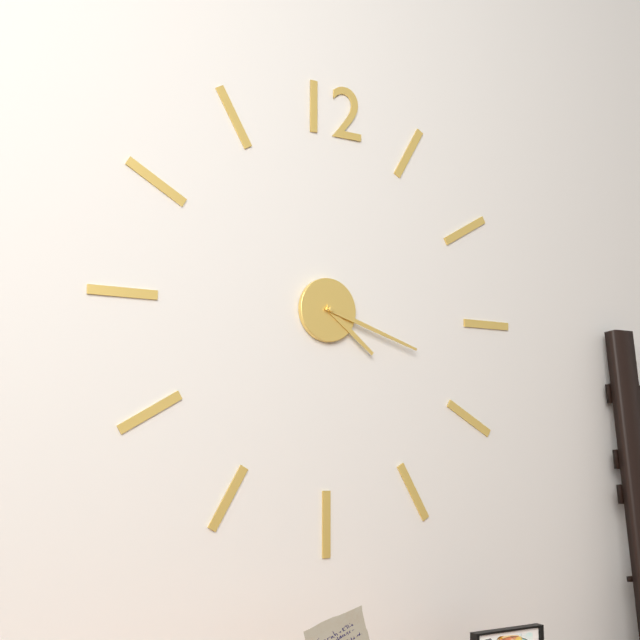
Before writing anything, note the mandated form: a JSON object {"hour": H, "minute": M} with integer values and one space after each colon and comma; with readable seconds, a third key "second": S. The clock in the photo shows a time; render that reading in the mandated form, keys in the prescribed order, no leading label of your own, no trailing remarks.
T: {"hour": 4, "minute": 18}
